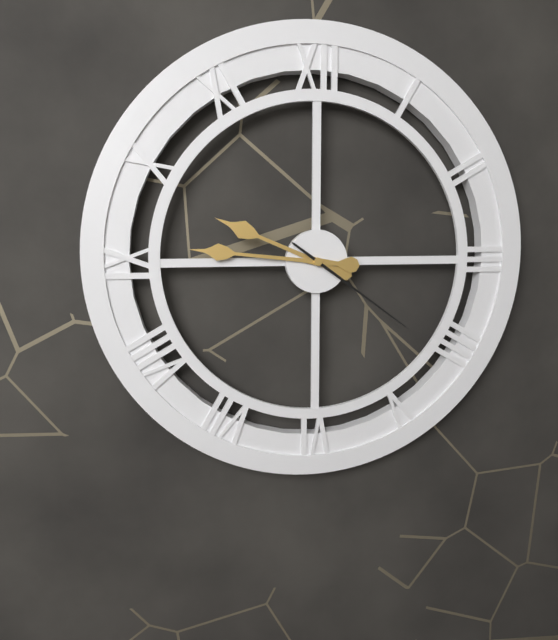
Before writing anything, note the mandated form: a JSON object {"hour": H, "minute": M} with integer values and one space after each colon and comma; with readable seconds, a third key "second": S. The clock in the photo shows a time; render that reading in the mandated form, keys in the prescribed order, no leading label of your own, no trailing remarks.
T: {"hour": 9, "minute": 46, "second": 21}
